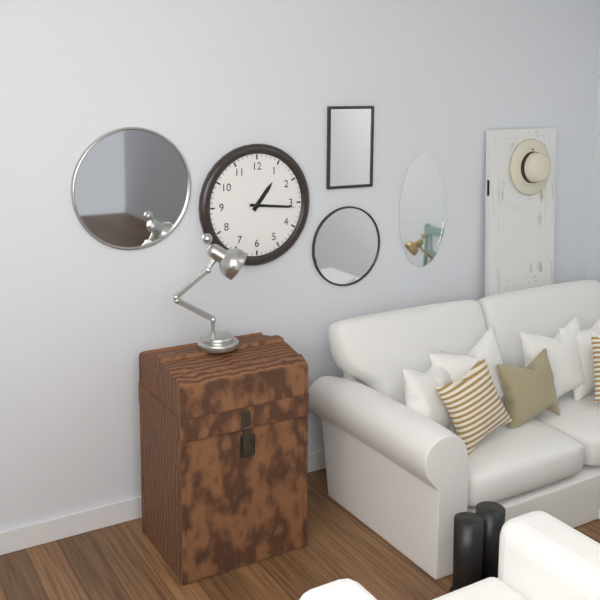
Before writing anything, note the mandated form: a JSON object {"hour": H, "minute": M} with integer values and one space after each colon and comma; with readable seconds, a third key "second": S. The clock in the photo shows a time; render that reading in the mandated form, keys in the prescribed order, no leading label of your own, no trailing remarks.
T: {"hour": 1, "minute": 16}
